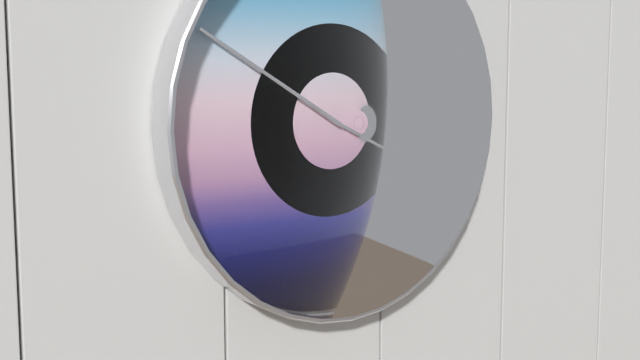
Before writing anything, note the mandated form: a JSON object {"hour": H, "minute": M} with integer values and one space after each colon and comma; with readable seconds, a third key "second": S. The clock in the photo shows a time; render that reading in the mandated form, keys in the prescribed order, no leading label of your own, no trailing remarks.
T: {"hour": 3, "minute": 50}
